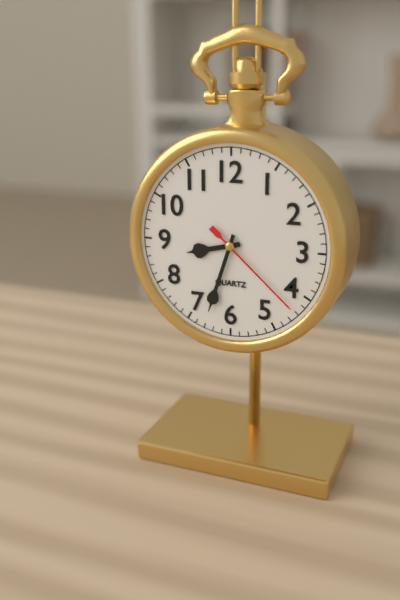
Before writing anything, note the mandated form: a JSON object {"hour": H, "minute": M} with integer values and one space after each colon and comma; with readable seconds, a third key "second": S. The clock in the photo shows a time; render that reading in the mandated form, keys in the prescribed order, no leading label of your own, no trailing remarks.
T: {"hour": 8, "minute": 33, "second": 22}
